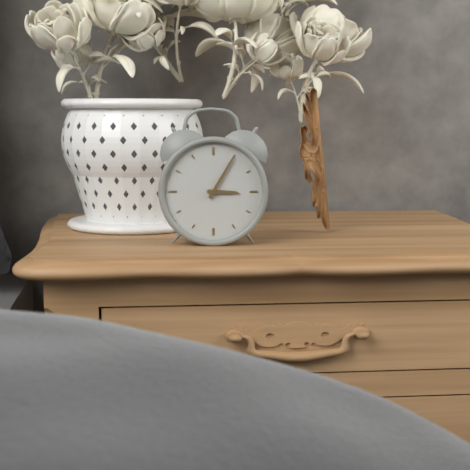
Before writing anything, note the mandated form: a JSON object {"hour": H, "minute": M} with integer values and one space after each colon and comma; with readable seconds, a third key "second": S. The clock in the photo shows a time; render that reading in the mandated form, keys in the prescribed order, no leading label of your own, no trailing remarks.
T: {"hour": 3, "minute": 5}
